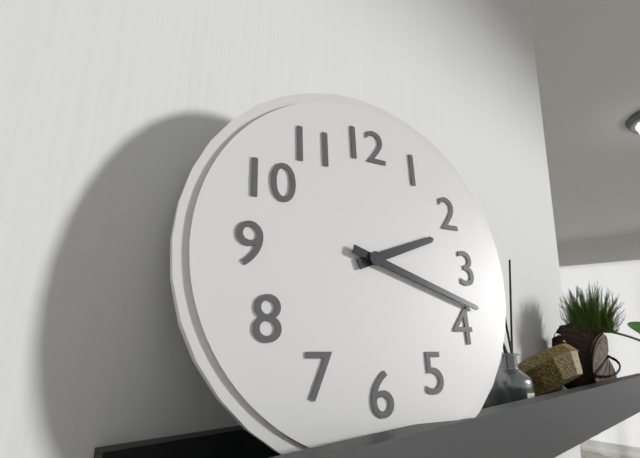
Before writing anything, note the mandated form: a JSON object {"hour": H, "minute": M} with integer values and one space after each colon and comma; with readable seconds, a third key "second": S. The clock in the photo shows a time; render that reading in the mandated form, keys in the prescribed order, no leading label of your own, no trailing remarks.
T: {"hour": 2, "minute": 18}
